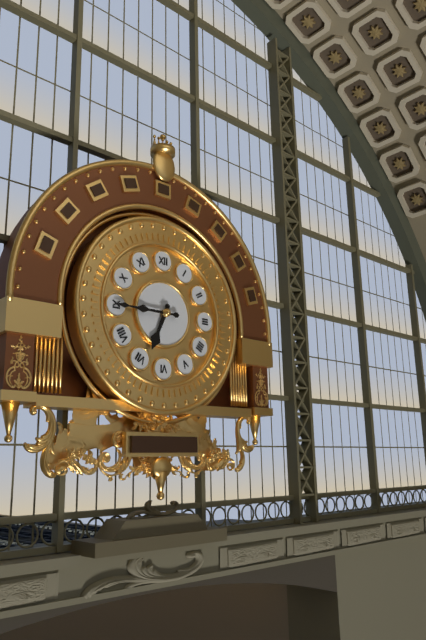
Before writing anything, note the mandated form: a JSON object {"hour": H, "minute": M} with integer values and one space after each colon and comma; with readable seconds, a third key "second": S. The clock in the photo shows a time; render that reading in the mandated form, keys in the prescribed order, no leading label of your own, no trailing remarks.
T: {"hour": 6, "minute": 45}
